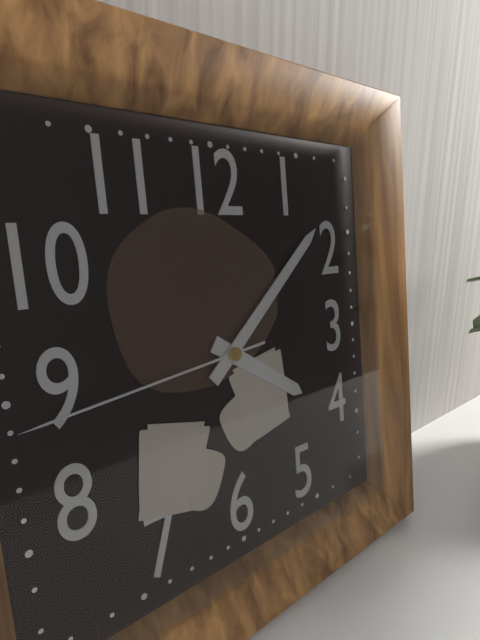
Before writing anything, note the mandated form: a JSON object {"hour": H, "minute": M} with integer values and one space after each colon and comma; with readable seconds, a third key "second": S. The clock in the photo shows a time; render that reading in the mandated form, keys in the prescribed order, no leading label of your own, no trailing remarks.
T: {"hour": 4, "minute": 8, "second": 44}
